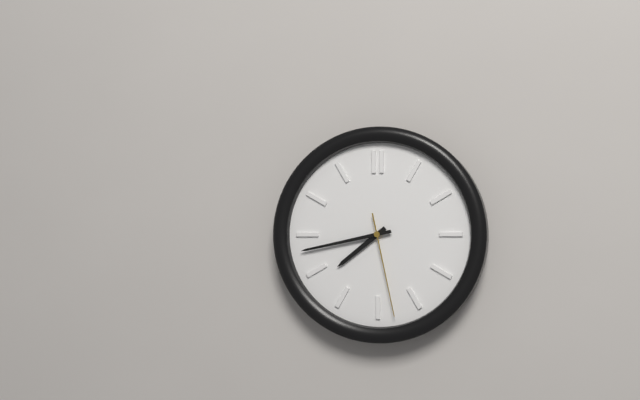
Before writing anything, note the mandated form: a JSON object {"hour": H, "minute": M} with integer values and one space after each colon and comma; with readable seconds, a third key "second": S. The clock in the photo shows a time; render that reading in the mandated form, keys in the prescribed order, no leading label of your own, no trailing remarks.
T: {"hour": 7, "minute": 43, "second": 28}
